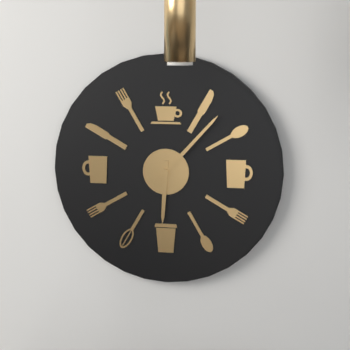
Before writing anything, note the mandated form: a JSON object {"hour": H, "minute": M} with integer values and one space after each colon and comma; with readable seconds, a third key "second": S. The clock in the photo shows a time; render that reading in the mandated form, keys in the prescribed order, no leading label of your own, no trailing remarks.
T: {"hour": 6, "minute": 7}
